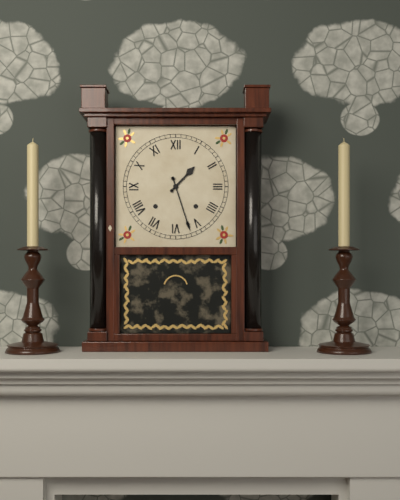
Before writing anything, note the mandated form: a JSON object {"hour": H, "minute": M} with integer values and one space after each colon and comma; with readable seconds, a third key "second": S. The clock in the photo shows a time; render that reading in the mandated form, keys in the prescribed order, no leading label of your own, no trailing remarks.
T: {"hour": 1, "minute": 27}
